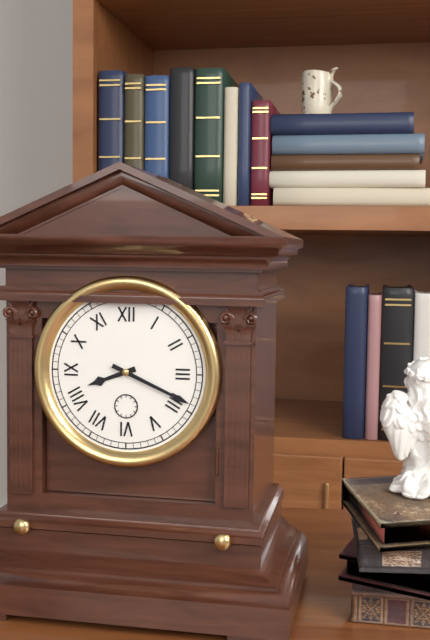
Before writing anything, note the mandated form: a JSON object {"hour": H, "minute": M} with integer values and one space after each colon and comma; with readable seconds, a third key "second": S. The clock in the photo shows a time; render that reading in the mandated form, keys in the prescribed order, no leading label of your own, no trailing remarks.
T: {"hour": 8, "minute": 19}
